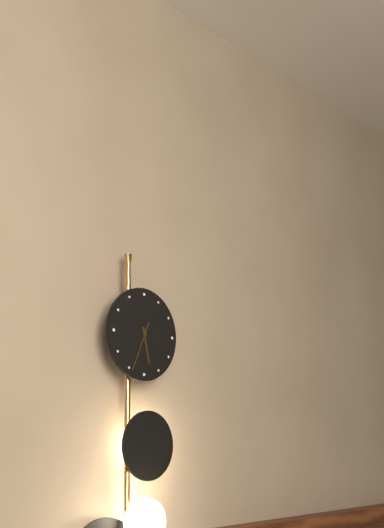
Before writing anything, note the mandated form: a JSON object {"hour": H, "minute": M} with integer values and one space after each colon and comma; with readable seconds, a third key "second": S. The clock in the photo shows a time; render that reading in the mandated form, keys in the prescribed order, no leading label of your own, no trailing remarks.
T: {"hour": 5, "minute": 34}
